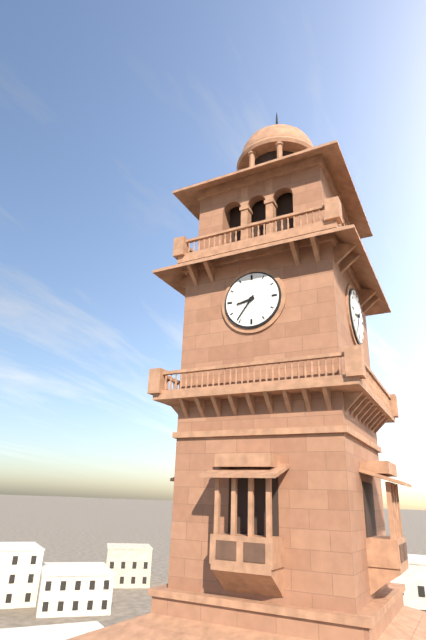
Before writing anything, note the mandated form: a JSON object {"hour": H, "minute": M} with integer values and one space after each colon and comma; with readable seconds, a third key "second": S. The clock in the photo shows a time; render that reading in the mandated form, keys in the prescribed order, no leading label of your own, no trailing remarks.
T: {"hour": 8, "minute": 36}
